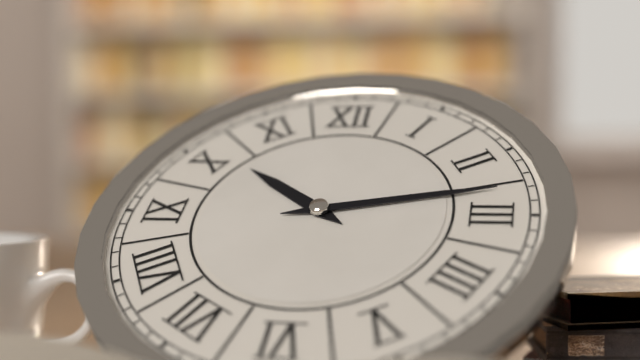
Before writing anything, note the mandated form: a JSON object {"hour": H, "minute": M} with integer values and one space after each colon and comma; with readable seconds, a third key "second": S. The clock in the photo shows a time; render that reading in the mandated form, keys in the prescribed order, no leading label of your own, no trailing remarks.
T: {"hour": 10, "minute": 13}
